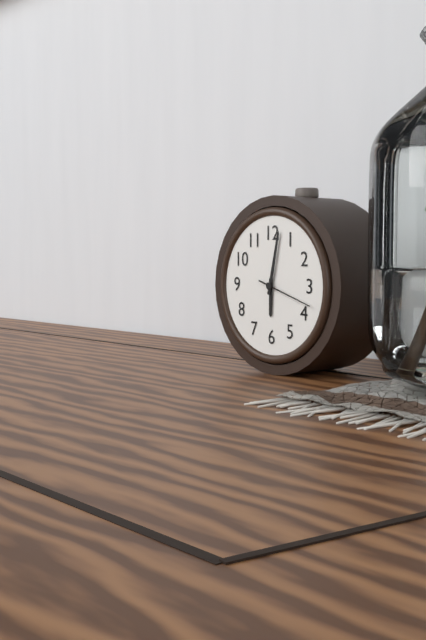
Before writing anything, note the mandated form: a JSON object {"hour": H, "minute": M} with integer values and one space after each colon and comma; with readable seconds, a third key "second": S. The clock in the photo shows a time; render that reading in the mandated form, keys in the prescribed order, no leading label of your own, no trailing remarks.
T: {"hour": 6, "minute": 2, "second": 18}
